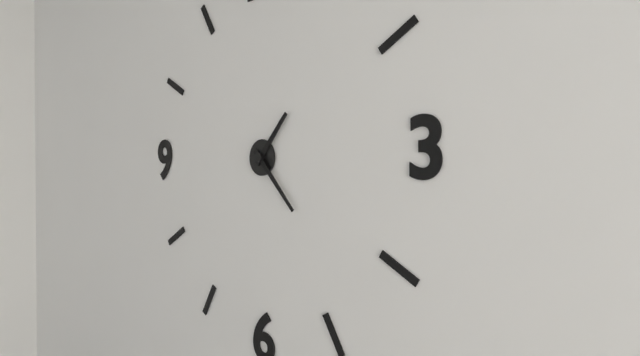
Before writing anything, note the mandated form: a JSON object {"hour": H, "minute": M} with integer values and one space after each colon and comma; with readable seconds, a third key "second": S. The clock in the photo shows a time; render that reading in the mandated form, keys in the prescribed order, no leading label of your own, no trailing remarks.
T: {"hour": 1, "minute": 23}
